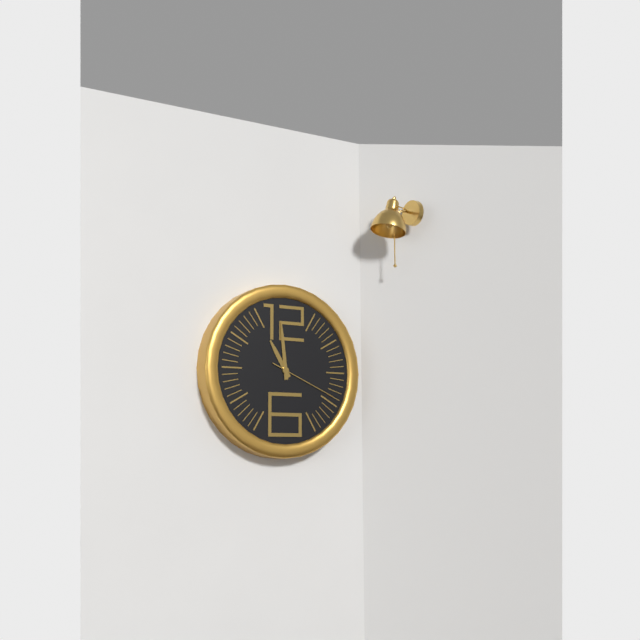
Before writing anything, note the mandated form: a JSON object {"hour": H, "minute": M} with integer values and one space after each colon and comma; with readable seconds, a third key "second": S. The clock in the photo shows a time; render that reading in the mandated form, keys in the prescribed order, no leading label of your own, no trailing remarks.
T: {"hour": 10, "minute": 59, "second": 19}
